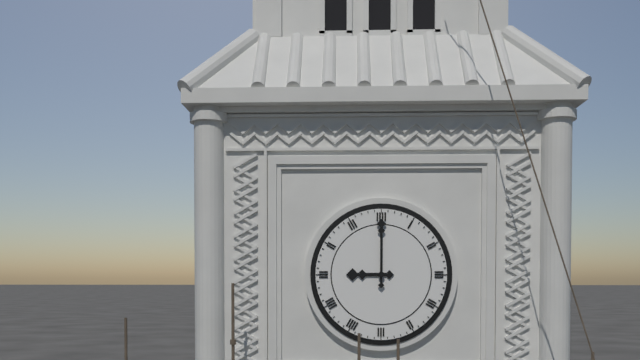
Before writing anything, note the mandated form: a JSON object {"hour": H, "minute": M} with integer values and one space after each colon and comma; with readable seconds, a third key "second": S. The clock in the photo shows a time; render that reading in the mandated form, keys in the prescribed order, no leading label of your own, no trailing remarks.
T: {"hour": 9, "minute": 0}
